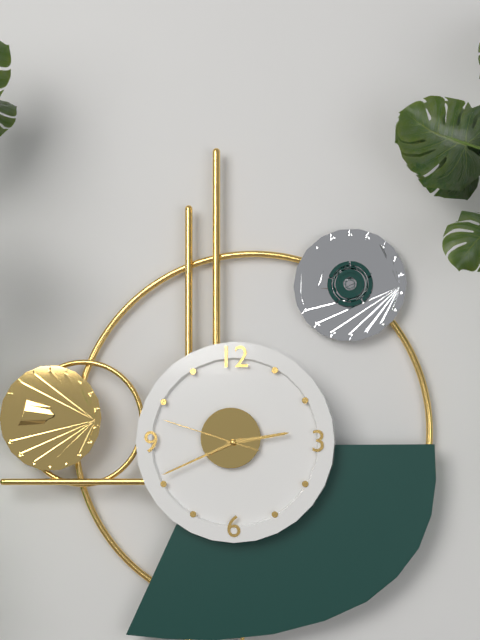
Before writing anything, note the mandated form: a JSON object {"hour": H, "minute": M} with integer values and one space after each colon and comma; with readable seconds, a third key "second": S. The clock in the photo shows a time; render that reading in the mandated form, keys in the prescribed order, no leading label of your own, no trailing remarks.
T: {"hour": 2, "minute": 41, "second": 48}
